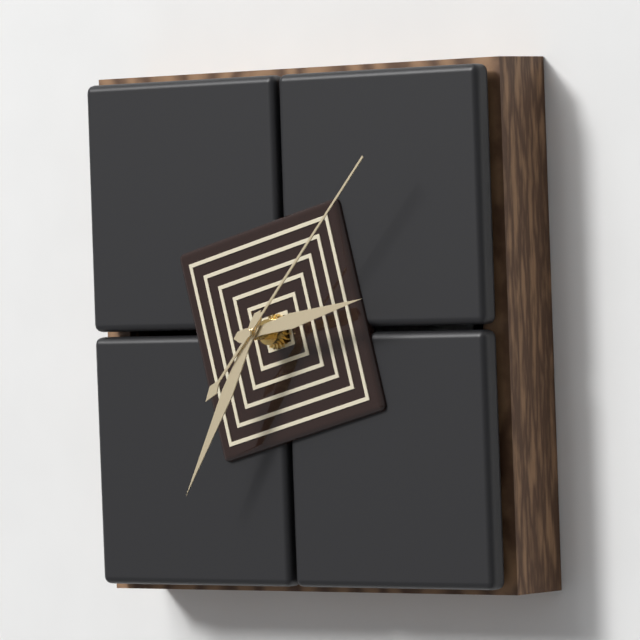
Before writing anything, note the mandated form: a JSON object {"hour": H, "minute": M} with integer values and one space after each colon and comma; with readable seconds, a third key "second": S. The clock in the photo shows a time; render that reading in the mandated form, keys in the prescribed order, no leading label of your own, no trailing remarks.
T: {"hour": 2, "minute": 35, "second": 7}
